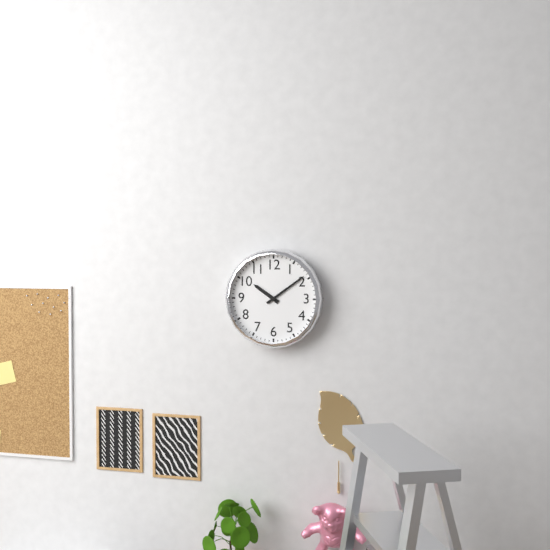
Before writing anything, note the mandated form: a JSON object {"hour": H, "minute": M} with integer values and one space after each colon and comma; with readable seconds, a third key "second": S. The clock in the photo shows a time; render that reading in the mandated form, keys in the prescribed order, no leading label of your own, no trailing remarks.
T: {"hour": 10, "minute": 9}
